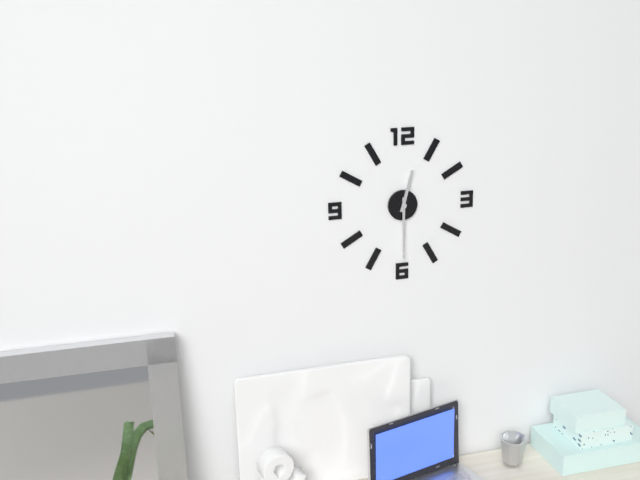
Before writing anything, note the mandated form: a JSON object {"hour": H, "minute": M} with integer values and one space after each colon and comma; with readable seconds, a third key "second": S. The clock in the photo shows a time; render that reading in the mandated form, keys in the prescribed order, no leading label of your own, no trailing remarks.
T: {"hour": 12, "minute": 30}
